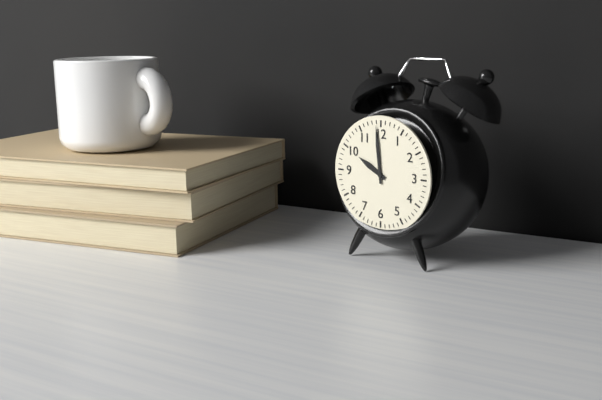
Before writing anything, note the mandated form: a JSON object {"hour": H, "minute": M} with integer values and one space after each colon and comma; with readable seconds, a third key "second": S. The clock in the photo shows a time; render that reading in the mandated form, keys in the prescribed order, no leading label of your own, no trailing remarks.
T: {"hour": 9, "minute": 59}
